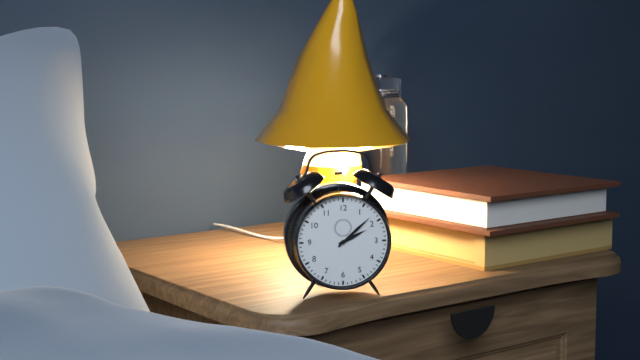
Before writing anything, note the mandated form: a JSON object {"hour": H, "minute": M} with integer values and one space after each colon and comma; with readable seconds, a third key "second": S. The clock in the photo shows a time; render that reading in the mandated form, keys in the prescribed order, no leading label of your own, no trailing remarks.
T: {"hour": 2, "minute": 8}
